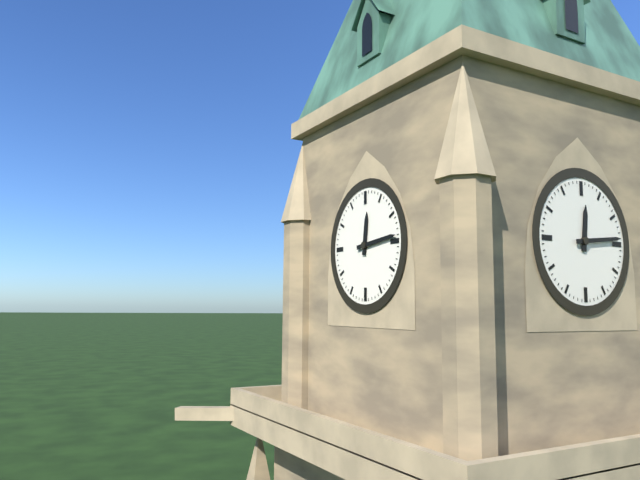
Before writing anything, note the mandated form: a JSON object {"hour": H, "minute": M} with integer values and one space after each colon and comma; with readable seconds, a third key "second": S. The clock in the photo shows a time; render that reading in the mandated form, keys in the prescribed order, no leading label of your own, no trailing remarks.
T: {"hour": 12, "minute": 14}
